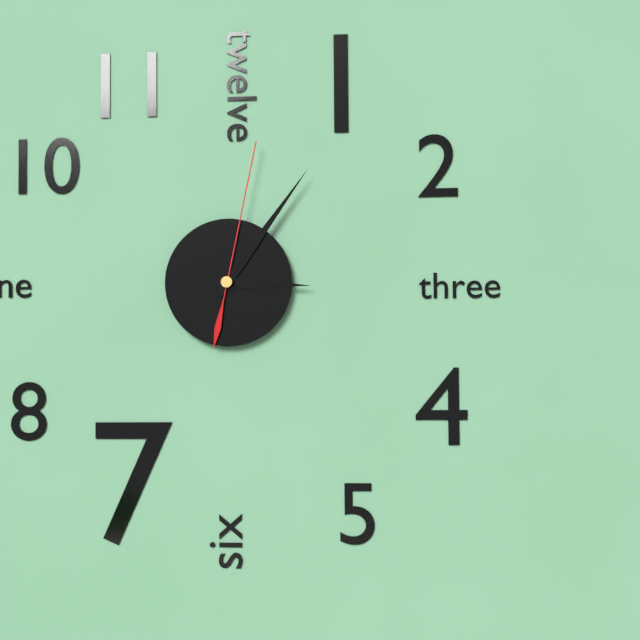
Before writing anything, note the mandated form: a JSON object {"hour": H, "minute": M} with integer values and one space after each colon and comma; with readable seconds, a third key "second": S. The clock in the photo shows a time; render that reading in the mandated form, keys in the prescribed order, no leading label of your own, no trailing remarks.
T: {"hour": 3, "minute": 6, "second": 2}
